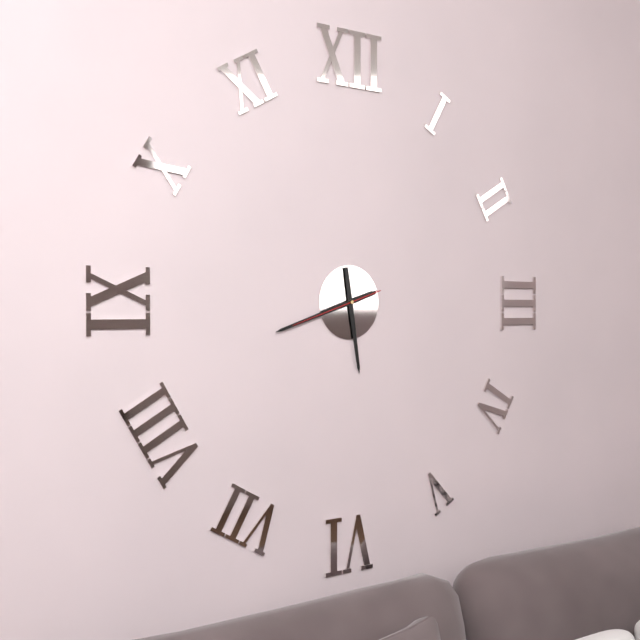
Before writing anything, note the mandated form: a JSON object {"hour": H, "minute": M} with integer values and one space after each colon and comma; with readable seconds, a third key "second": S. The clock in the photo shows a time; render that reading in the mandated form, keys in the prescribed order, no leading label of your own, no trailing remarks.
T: {"hour": 5, "minute": 42, "second": 42}
